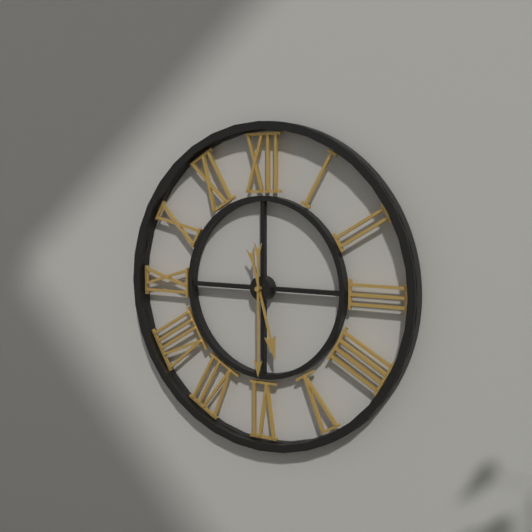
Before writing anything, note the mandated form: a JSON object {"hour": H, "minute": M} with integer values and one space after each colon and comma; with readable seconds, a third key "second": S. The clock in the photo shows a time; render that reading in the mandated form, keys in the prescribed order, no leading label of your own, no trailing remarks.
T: {"hour": 5, "minute": 30}
